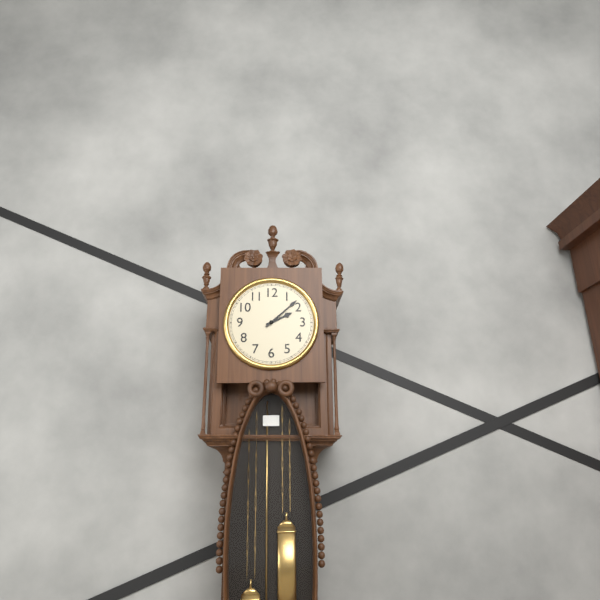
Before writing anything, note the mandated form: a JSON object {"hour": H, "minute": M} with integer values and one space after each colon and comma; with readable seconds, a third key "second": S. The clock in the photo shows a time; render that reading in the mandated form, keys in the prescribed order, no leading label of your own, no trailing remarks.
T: {"hour": 2, "minute": 8}
